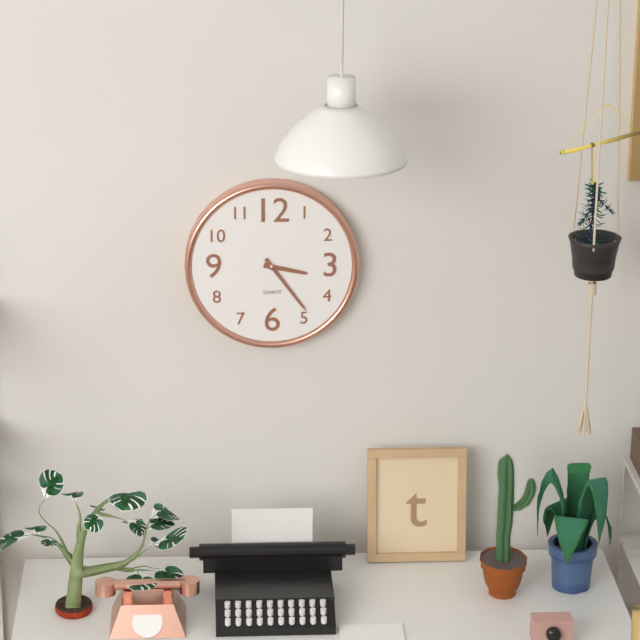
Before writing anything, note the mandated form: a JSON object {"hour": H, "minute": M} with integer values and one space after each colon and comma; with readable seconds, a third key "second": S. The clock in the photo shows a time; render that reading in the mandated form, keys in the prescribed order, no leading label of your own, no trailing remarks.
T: {"hour": 3, "minute": 24}
